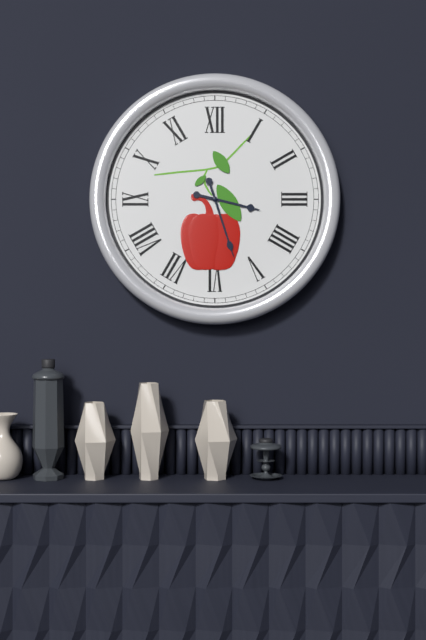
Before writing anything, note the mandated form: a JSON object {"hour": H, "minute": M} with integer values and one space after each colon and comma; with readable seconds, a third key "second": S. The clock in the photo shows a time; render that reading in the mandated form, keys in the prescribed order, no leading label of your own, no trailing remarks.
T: {"hour": 3, "minute": 27}
